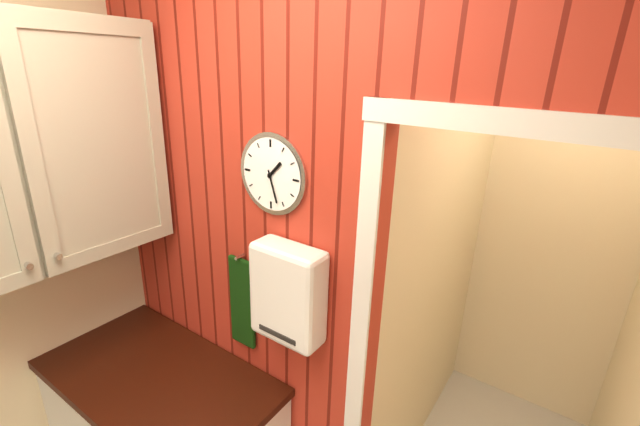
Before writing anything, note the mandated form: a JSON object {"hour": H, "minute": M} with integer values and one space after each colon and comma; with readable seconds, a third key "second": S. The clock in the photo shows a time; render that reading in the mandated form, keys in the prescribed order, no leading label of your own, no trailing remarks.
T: {"hour": 1, "minute": 27}
